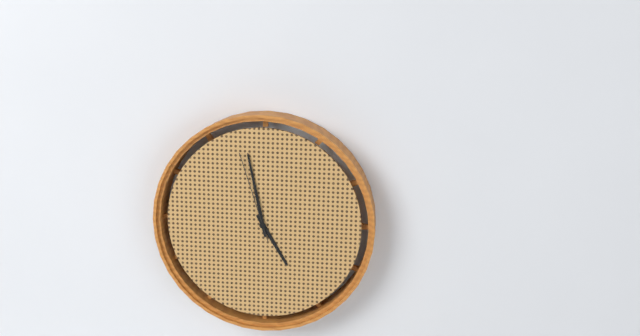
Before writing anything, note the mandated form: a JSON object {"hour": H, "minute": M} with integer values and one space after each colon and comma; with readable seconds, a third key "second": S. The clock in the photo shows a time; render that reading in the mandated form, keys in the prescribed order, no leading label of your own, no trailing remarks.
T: {"hour": 4, "minute": 58, "second": 57}
